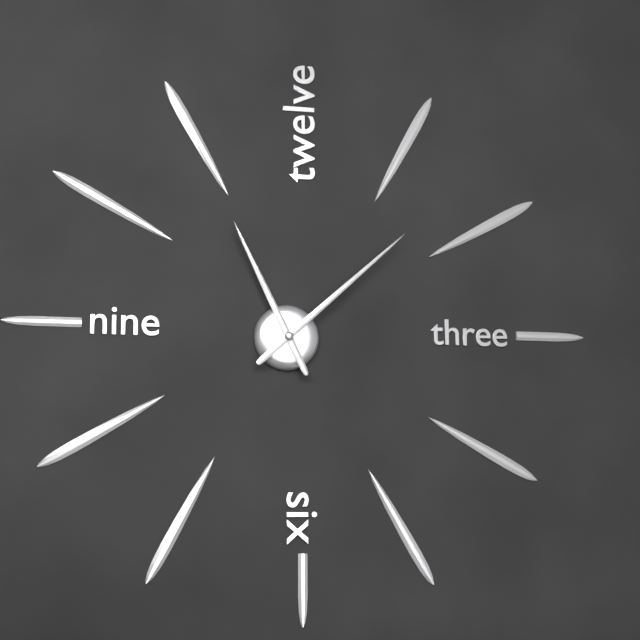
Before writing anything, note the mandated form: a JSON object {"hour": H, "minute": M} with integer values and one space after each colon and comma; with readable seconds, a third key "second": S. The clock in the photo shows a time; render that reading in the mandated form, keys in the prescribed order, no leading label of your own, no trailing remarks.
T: {"hour": 11, "minute": 8}
